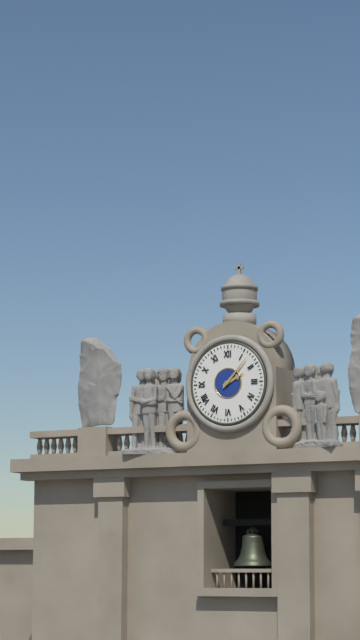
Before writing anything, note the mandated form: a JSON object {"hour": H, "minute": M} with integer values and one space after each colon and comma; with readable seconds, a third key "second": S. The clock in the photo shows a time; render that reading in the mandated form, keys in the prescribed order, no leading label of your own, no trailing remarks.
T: {"hour": 2, "minute": 7}
